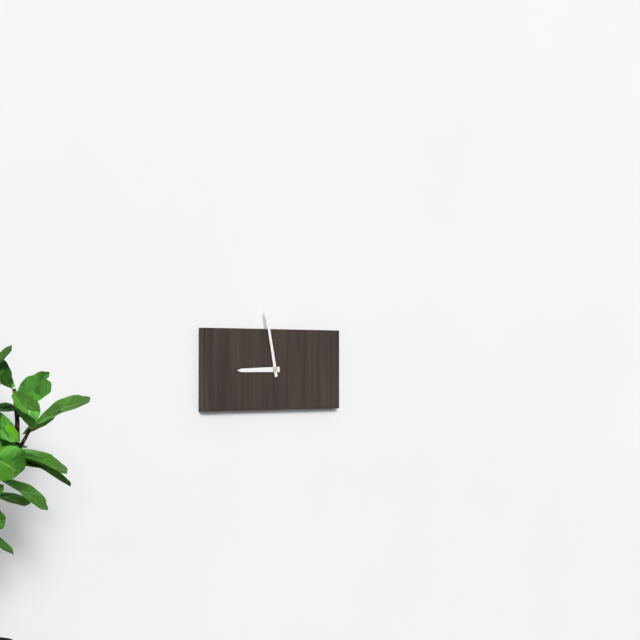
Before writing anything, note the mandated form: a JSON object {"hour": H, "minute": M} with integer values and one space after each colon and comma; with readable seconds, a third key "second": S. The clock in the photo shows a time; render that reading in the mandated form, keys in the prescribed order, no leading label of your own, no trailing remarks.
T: {"hour": 8, "minute": 58}
